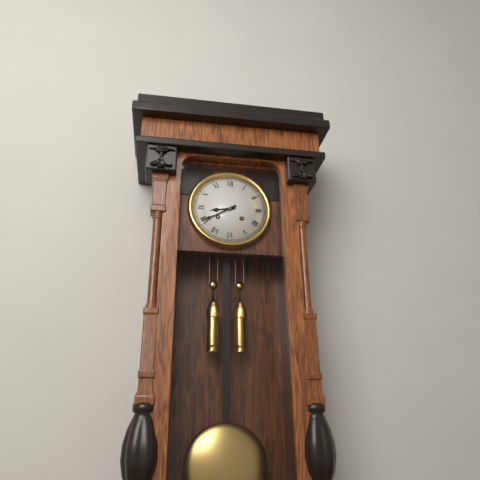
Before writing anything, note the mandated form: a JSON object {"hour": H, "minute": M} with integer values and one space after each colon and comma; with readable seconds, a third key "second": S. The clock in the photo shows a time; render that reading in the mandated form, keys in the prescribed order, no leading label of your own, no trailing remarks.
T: {"hour": 8, "minute": 40}
